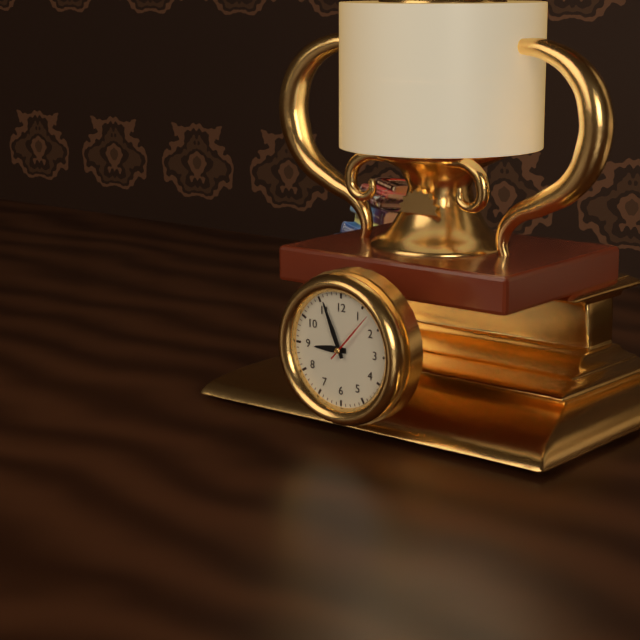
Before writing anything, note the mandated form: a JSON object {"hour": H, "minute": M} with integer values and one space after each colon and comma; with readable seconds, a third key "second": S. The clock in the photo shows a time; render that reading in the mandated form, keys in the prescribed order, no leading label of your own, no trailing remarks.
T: {"hour": 8, "minute": 56, "second": 7}
